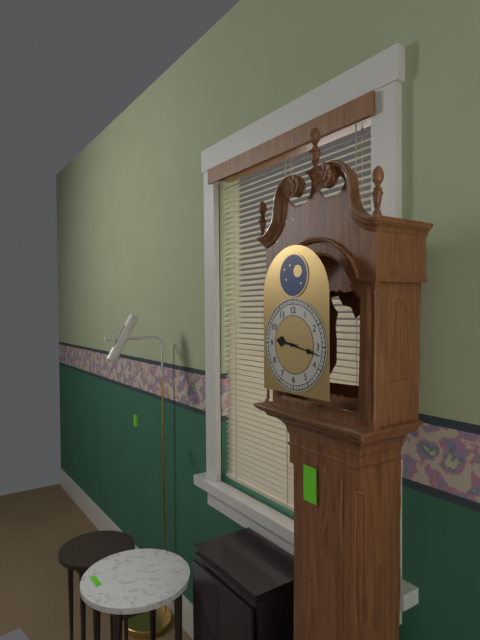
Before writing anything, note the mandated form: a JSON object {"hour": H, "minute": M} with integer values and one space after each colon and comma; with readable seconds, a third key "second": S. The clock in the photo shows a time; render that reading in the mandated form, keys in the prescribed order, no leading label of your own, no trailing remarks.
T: {"hour": 9, "minute": 17}
